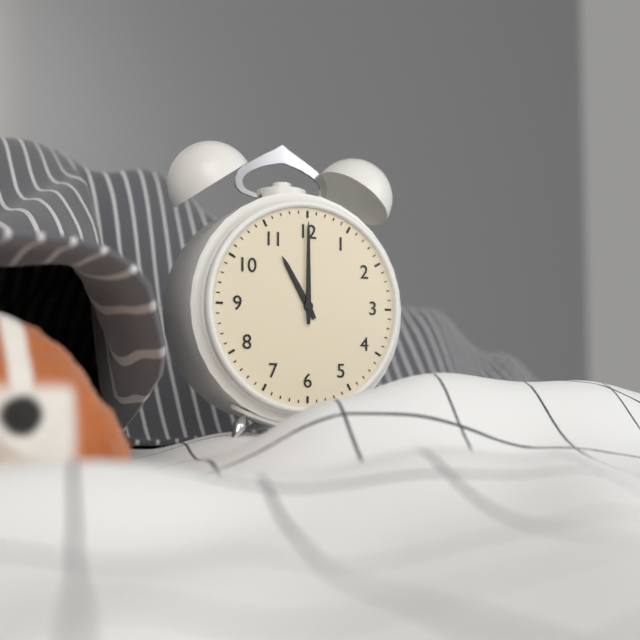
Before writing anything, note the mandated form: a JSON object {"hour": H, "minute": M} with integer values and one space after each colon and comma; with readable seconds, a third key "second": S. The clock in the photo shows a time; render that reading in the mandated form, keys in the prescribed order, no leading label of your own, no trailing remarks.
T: {"hour": 11, "minute": 0}
